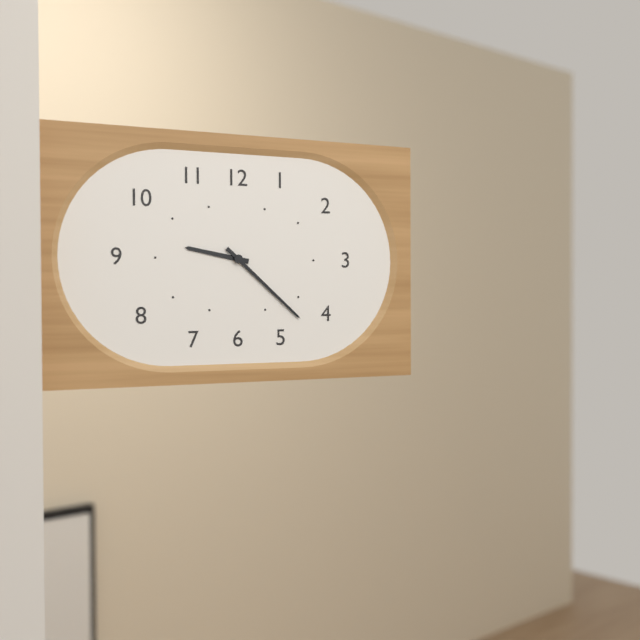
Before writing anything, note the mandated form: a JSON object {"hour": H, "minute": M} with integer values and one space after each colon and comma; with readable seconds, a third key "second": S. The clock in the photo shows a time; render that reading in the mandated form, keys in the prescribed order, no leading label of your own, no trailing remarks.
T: {"hour": 9, "minute": 22}
